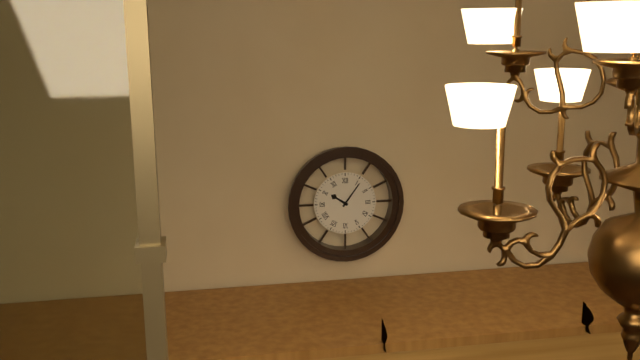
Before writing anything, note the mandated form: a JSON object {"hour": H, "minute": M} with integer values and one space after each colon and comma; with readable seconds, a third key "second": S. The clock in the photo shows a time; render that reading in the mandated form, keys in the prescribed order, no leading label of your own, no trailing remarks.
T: {"hour": 10, "minute": 6}
